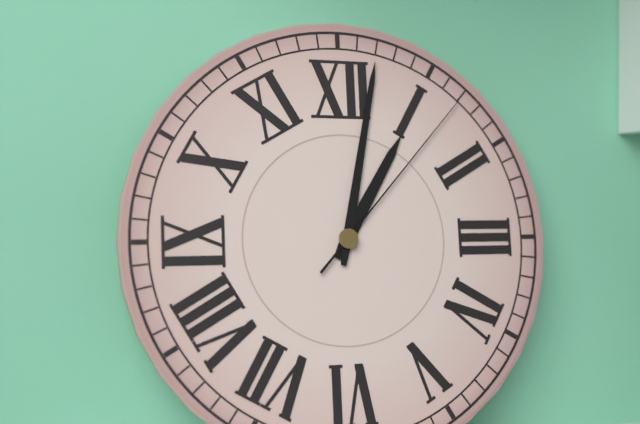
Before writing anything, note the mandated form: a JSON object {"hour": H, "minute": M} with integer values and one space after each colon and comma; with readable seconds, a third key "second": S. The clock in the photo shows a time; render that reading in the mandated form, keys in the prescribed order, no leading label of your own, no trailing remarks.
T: {"hour": 1, "minute": 2, "second": 7}
